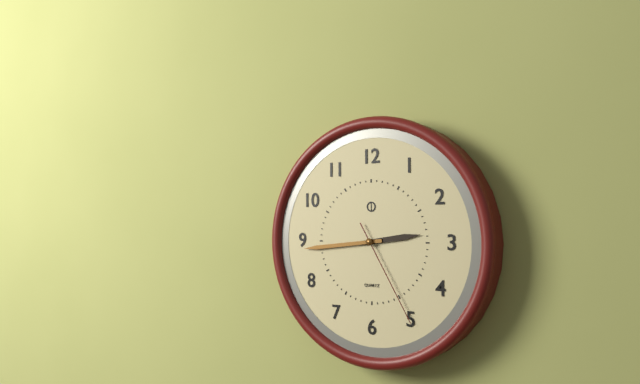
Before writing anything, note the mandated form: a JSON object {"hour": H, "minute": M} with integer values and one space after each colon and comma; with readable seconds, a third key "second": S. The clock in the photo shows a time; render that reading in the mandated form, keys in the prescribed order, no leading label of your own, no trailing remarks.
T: {"hour": 2, "minute": 44, "second": 25}
